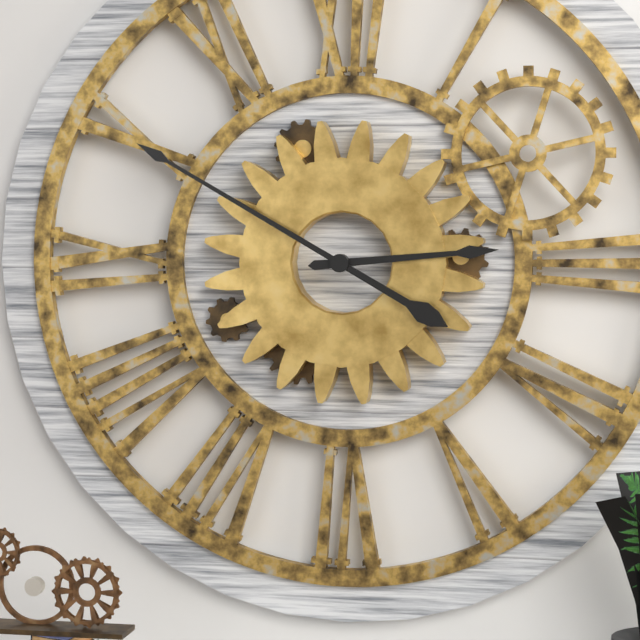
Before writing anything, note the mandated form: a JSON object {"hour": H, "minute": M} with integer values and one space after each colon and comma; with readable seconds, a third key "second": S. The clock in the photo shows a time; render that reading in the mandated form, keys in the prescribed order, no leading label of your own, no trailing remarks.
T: {"hour": 2, "minute": 50}
